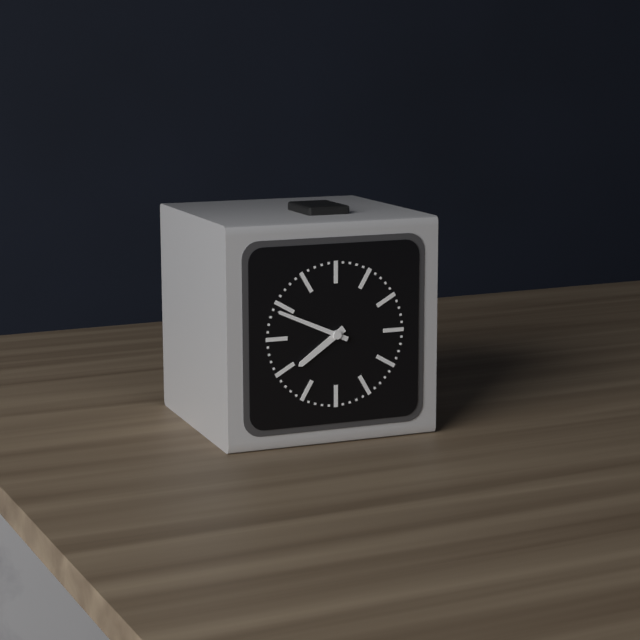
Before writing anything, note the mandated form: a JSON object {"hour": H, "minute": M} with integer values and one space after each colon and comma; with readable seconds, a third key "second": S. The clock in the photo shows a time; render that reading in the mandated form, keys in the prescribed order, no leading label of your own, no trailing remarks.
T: {"hour": 7, "minute": 49}
